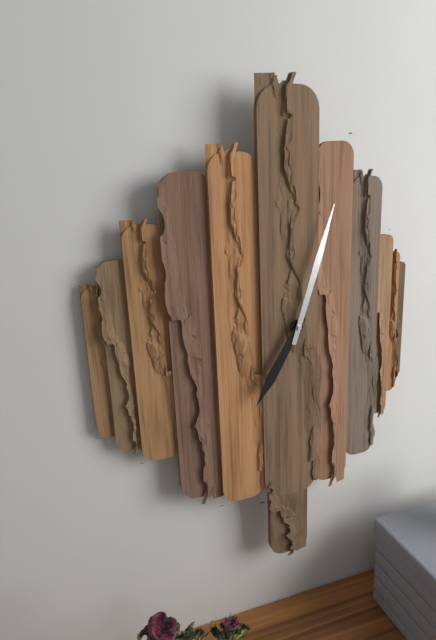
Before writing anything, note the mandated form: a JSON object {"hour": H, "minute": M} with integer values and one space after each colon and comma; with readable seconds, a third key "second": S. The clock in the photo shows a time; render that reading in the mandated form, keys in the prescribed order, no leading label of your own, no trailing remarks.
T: {"hour": 7, "minute": 3}
